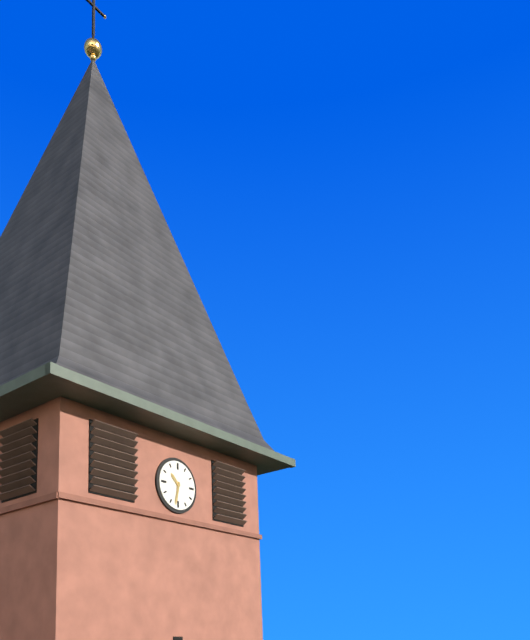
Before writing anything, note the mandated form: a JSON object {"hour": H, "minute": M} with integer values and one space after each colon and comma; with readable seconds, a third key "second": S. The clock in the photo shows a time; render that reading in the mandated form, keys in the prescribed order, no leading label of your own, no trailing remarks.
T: {"hour": 10, "minute": 32}
